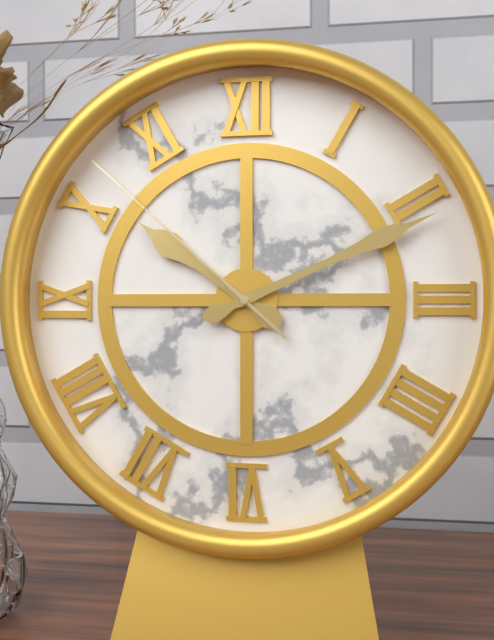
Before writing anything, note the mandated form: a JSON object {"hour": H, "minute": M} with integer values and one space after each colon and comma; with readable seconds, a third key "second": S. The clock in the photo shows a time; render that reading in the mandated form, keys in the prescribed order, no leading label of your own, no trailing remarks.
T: {"hour": 10, "minute": 11, "second": 52}
